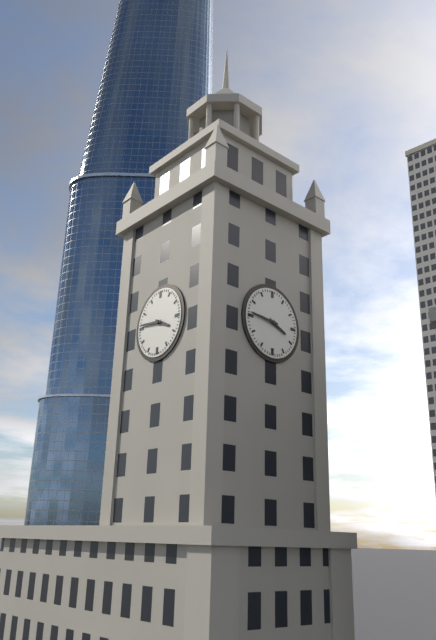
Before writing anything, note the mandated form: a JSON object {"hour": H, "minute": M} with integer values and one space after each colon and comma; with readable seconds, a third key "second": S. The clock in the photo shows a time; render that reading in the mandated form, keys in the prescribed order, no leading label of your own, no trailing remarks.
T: {"hour": 3, "minute": 46}
